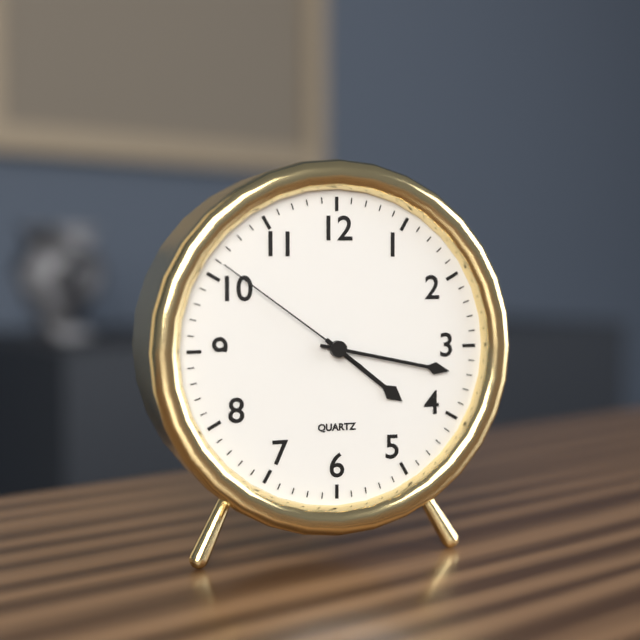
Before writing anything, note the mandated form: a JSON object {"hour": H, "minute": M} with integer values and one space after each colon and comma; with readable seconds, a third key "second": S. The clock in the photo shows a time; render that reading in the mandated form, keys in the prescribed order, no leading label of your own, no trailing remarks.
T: {"hour": 4, "minute": 17, "second": 51}
